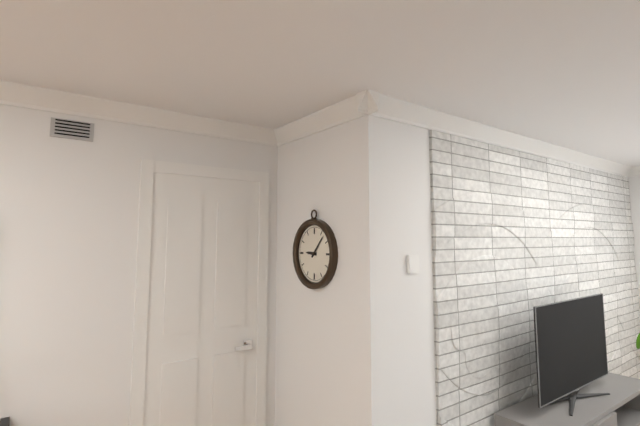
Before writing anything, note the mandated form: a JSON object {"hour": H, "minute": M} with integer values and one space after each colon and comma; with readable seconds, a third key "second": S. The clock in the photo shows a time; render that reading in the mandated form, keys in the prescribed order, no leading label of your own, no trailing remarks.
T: {"hour": 9, "minute": 7}
